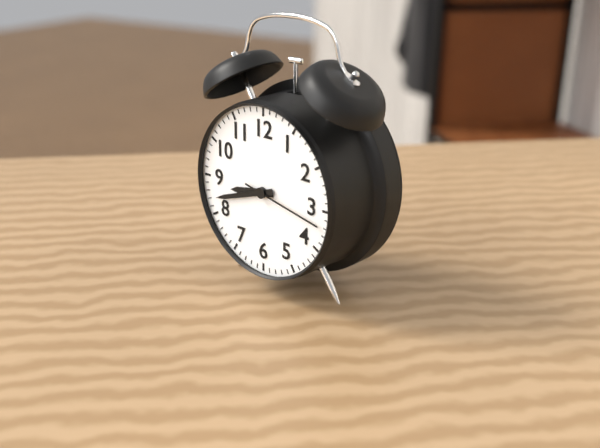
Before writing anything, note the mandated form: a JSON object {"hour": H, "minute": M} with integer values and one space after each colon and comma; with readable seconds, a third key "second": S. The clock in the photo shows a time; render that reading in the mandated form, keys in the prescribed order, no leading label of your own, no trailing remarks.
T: {"hour": 8, "minute": 42, "second": 17}
